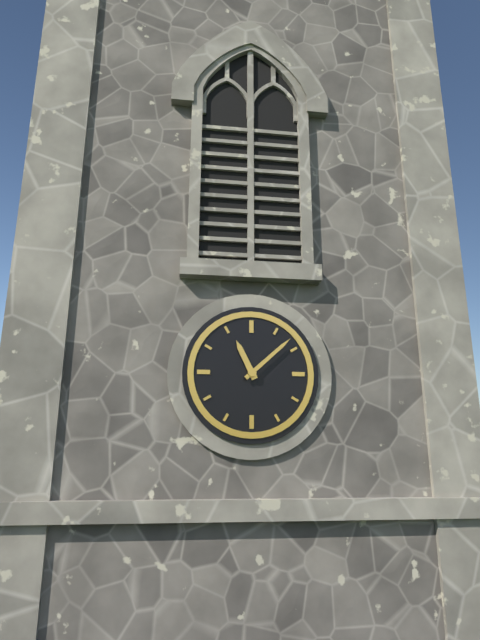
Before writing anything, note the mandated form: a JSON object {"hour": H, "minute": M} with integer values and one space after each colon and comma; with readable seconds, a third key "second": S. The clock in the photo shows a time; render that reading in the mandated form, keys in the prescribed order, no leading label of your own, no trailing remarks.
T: {"hour": 11, "minute": 8}
